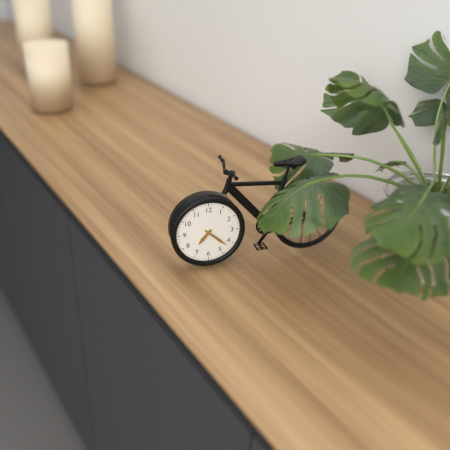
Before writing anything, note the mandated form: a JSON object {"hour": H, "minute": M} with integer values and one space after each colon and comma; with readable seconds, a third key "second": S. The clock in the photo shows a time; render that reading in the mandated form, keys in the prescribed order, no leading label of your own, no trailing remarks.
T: {"hour": 7, "minute": 22}
